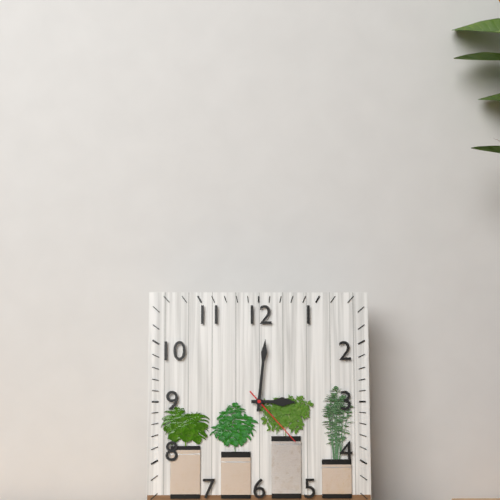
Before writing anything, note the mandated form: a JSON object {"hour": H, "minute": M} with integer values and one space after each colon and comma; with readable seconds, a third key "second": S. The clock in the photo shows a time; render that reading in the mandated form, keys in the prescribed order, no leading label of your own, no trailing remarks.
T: {"hour": 3, "minute": 1, "second": 23}
